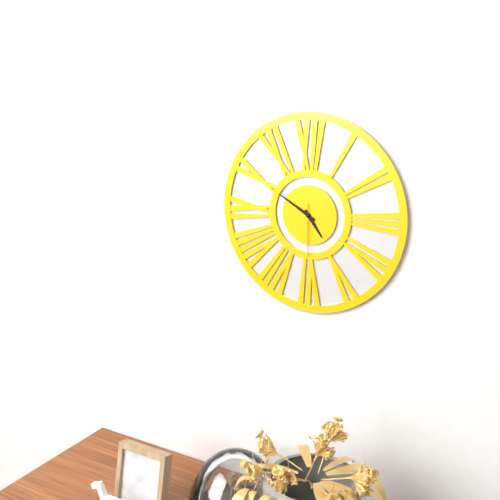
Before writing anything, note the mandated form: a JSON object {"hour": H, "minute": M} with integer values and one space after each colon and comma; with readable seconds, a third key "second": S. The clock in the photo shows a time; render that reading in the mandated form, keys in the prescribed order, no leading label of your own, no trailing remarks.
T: {"hour": 4, "minute": 50, "second": 30}
